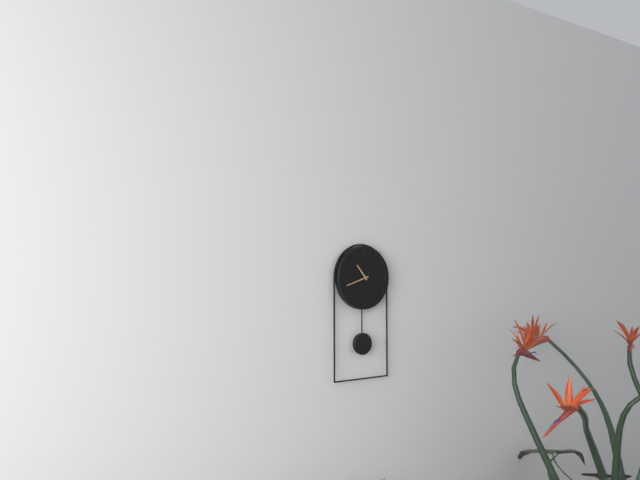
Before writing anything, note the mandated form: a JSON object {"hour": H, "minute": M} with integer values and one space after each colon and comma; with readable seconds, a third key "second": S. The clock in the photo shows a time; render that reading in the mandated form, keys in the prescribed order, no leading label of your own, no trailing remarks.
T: {"hour": 10, "minute": 42}
